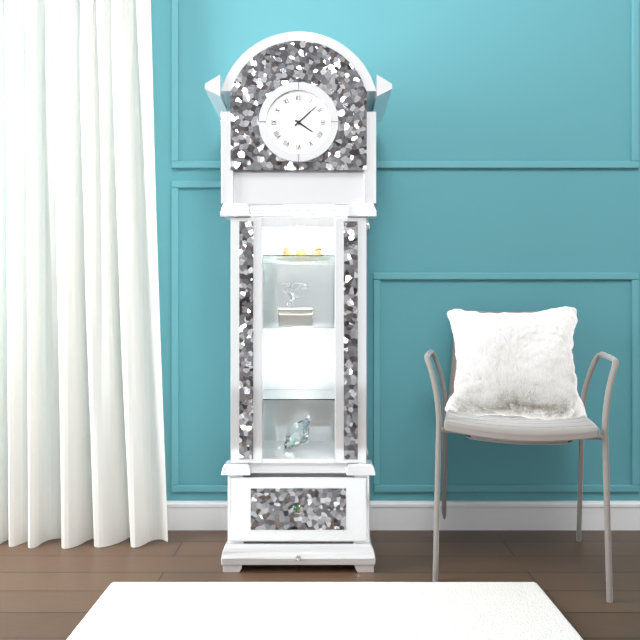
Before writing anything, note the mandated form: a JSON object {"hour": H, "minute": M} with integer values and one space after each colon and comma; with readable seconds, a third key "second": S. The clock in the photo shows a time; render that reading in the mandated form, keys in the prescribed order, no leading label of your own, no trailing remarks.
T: {"hour": 4, "minute": 8}
